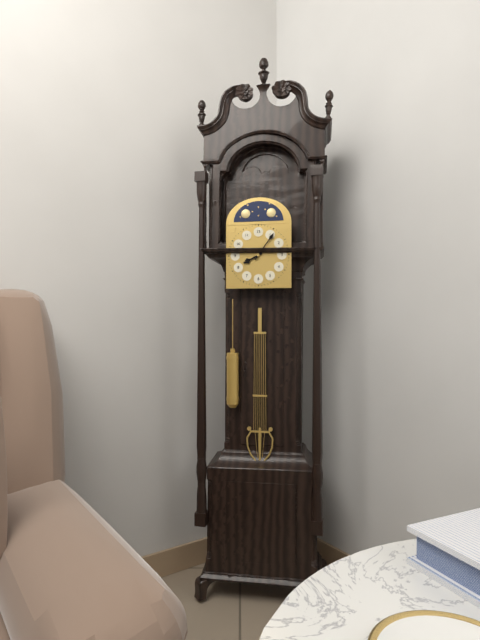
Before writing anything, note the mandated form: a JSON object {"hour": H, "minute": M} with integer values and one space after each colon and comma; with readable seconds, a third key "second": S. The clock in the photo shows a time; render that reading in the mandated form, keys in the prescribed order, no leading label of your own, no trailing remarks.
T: {"hour": 8, "minute": 6}
